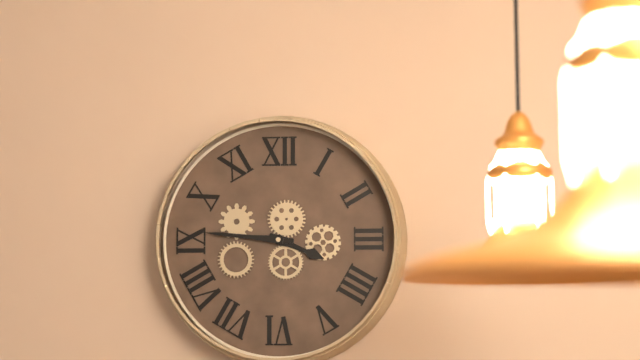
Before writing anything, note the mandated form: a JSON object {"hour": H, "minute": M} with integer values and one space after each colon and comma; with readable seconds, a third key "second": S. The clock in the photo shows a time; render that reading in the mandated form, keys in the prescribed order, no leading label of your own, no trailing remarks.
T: {"hour": 3, "minute": 46}
